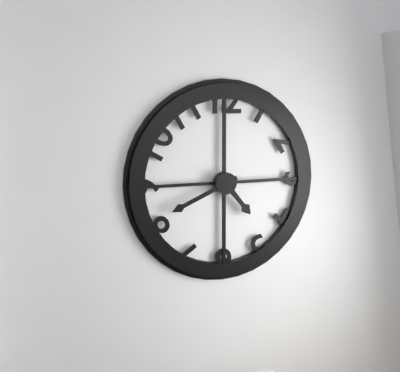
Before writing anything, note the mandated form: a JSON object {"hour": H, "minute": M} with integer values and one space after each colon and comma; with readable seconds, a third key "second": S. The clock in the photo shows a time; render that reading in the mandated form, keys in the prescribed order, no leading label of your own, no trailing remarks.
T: {"hour": 4, "minute": 41}
